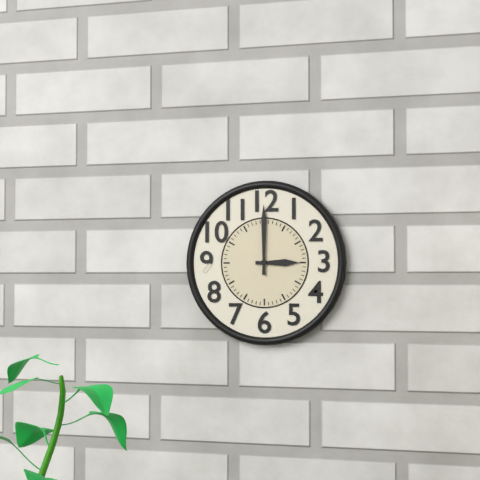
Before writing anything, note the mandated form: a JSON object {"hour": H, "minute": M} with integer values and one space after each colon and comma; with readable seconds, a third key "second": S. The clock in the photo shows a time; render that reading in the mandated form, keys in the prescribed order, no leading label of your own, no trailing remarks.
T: {"hour": 3, "minute": 0}
